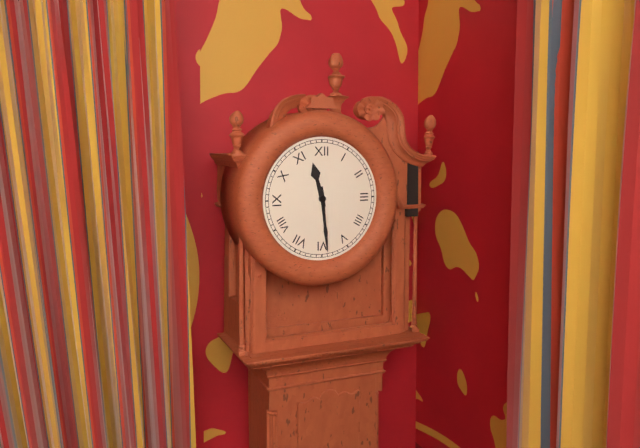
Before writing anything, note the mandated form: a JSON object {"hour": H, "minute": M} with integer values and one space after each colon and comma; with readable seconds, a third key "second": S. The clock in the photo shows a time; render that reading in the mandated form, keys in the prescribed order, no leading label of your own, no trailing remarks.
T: {"hour": 11, "minute": 29}
